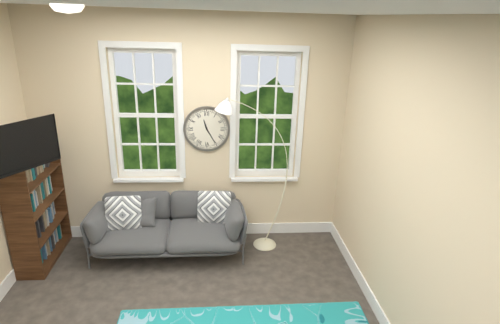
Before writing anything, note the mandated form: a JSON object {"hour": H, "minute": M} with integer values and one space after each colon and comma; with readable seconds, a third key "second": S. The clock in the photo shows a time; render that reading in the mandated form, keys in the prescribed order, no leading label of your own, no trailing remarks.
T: {"hour": 11, "minute": 25}
